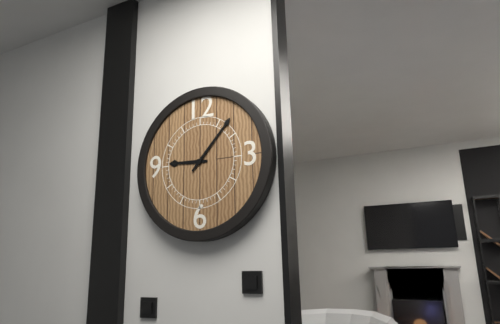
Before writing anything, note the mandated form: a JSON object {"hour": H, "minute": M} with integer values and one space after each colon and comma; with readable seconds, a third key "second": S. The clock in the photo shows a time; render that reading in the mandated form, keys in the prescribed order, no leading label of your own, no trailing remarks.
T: {"hour": 9, "minute": 7}
